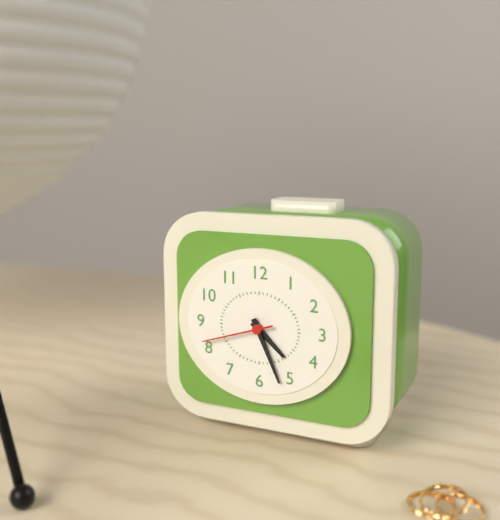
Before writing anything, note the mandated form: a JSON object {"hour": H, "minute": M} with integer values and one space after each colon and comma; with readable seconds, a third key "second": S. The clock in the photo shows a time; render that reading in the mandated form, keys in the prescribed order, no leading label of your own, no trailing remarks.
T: {"hour": 4, "minute": 26, "second": 42}
